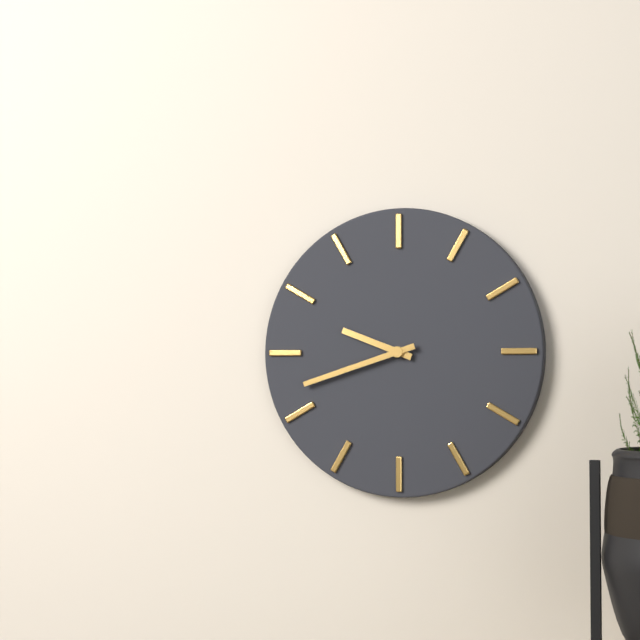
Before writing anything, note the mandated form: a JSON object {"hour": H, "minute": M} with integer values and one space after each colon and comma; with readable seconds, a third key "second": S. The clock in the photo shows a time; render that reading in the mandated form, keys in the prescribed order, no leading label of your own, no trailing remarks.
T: {"hour": 9, "minute": 42}
